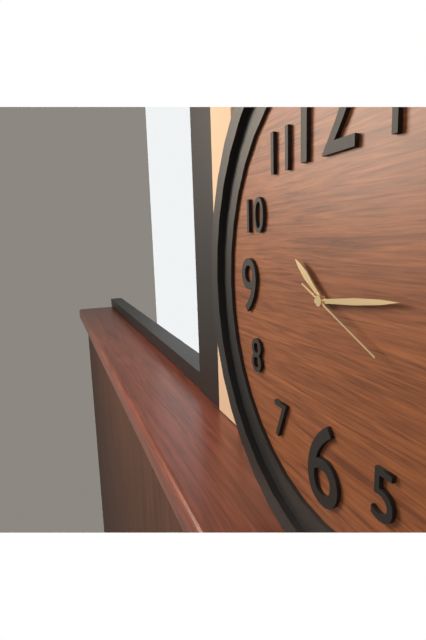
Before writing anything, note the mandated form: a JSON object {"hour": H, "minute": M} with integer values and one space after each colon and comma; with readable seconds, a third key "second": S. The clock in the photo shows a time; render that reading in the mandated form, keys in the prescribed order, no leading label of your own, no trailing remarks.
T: {"hour": 10, "minute": 14, "second": 19}
